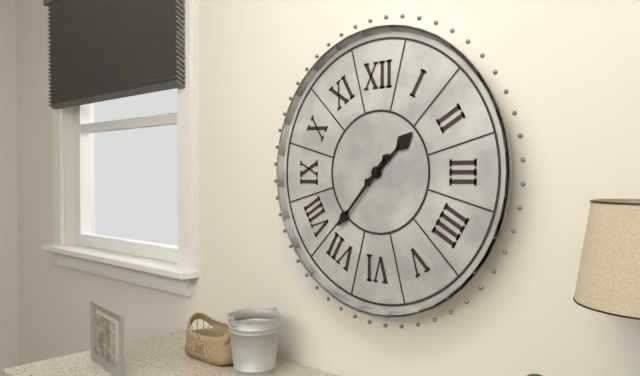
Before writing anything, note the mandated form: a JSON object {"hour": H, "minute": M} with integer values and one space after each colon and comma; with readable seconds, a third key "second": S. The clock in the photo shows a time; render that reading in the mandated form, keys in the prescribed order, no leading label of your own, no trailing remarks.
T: {"hour": 1, "minute": 37}
